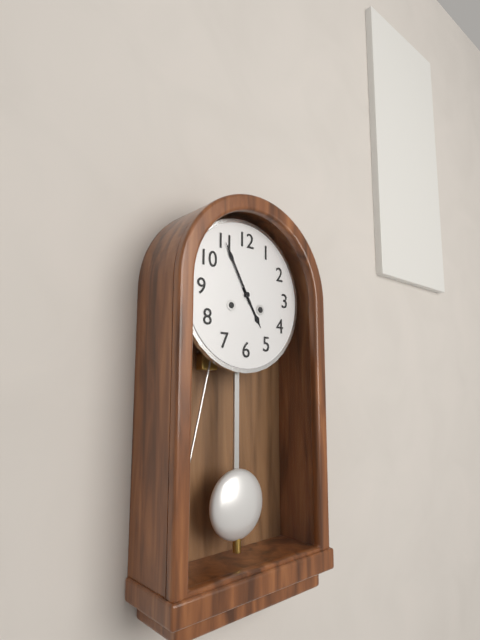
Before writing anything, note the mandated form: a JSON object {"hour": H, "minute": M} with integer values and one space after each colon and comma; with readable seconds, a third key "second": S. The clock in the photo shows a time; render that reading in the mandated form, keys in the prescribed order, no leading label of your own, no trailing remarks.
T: {"hour": 4, "minute": 55}
